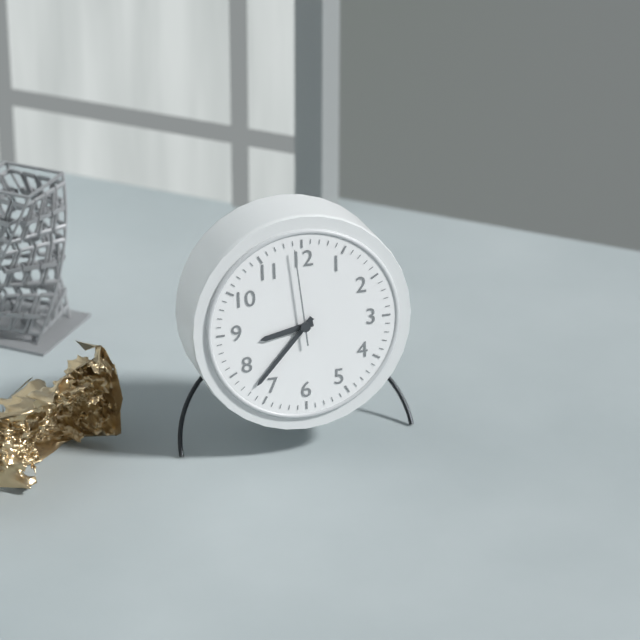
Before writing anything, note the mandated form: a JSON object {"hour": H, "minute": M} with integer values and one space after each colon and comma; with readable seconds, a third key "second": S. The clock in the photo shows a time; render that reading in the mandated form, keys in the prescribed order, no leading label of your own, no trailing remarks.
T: {"hour": 8, "minute": 37, "second": 59}
